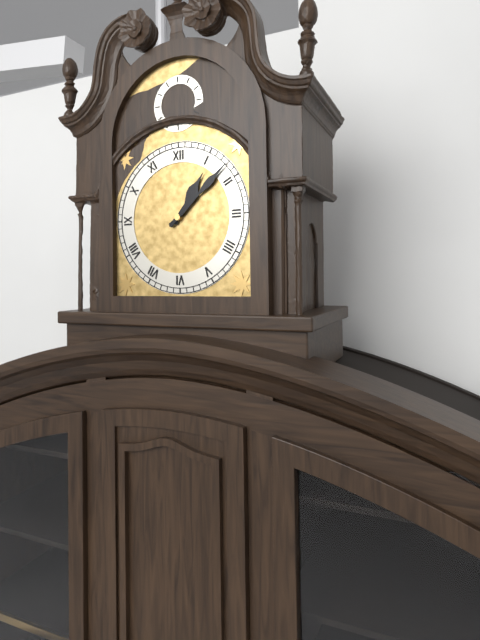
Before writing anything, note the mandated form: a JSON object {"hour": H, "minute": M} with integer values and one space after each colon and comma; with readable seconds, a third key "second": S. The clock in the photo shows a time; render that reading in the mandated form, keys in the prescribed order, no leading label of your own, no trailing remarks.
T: {"hour": 1, "minute": 8}
